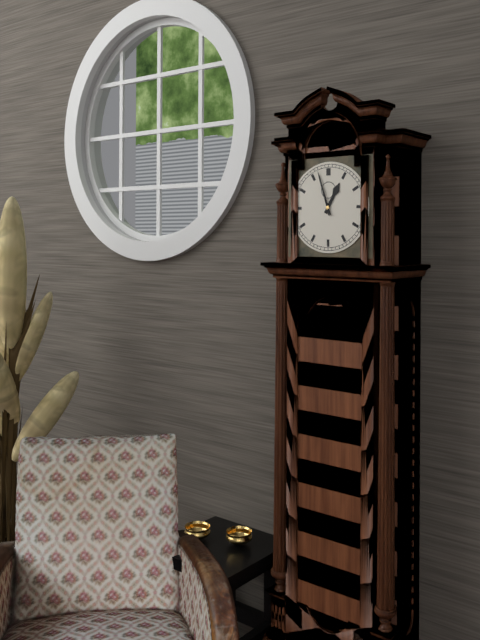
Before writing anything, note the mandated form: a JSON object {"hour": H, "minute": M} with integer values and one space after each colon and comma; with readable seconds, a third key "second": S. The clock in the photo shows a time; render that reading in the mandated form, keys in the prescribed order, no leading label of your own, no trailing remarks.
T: {"hour": 12, "minute": 57}
